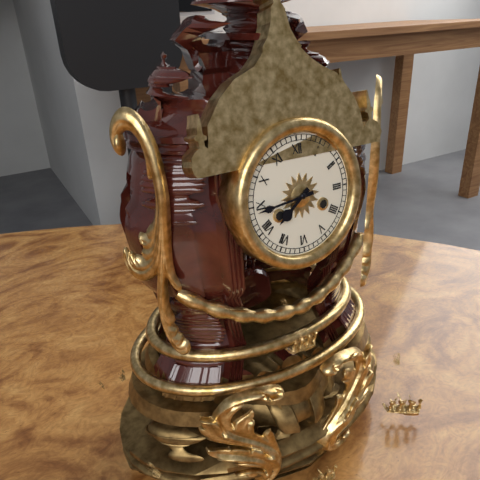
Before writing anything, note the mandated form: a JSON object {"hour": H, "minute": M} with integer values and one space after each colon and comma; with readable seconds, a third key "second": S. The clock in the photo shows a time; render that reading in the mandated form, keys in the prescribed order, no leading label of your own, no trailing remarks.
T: {"hour": 7, "minute": 44}
